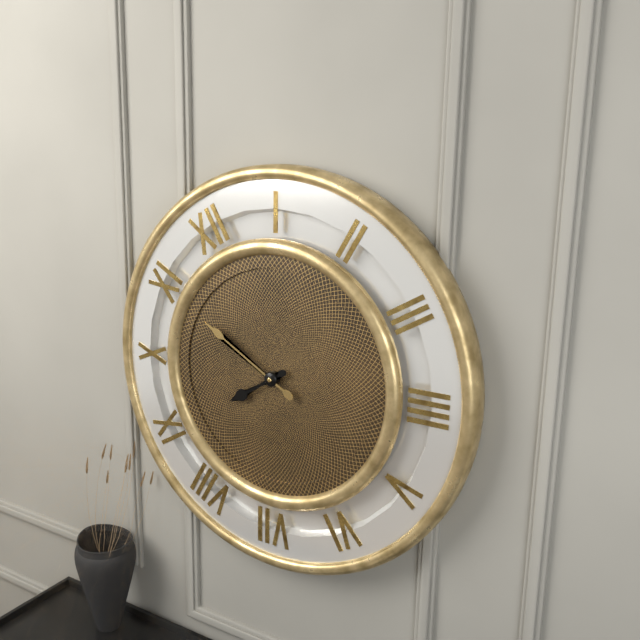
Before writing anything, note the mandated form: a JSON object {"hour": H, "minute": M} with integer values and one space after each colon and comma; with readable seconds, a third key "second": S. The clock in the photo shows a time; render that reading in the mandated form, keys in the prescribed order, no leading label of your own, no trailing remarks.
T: {"hour": 8, "minute": 55}
